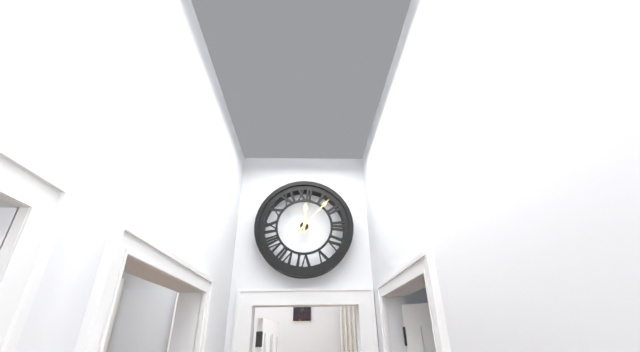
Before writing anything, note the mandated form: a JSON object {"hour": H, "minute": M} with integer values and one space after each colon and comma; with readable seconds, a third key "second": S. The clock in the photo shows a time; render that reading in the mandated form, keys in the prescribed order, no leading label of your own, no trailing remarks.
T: {"hour": 12, "minute": 7}
